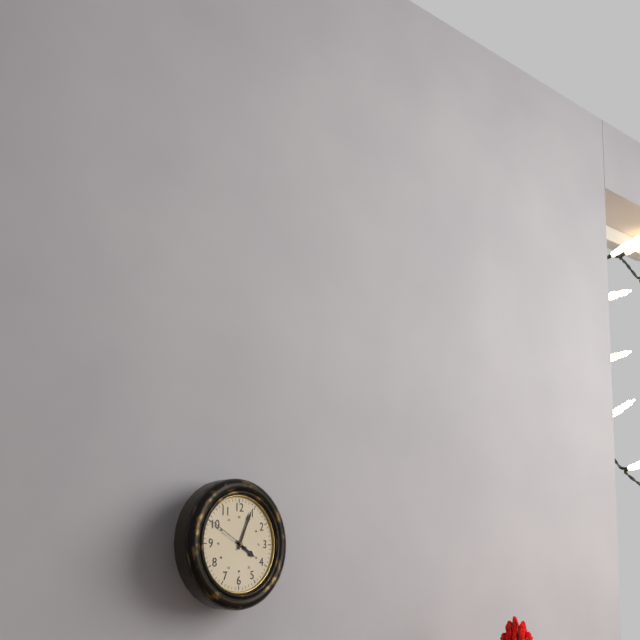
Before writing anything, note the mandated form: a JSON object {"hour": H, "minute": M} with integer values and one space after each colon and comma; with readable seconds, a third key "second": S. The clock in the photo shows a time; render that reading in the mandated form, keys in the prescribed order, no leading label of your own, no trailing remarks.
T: {"hour": 4, "minute": 4}
